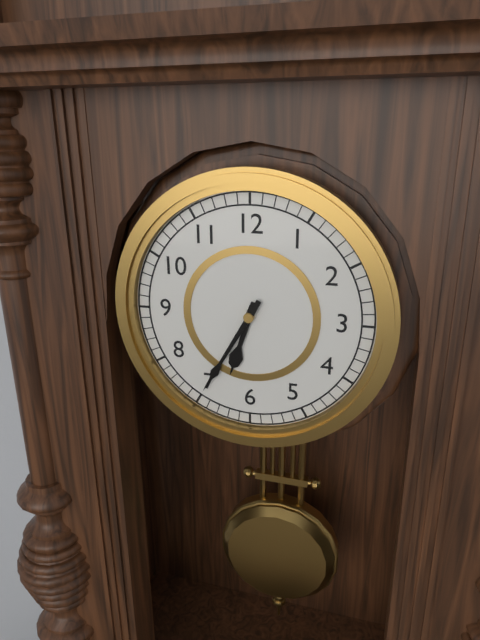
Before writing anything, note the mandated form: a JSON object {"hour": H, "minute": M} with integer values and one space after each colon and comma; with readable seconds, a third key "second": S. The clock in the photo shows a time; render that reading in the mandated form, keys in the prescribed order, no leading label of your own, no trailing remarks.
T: {"hour": 6, "minute": 35}
